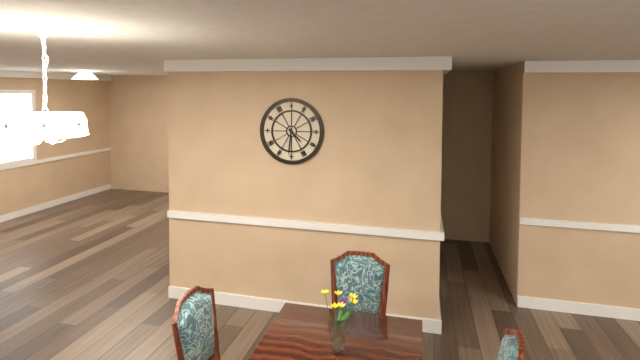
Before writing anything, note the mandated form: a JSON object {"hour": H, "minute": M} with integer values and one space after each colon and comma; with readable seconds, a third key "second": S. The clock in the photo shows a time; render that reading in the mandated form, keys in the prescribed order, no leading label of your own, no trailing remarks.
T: {"hour": 4, "minute": 31}
